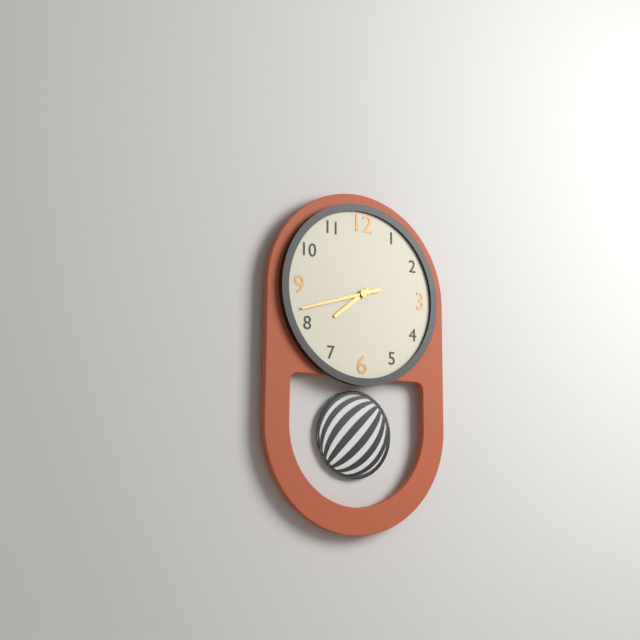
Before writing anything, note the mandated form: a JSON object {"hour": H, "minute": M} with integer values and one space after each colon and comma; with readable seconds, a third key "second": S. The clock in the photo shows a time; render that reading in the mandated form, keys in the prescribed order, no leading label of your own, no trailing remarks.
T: {"hour": 7, "minute": 42}
